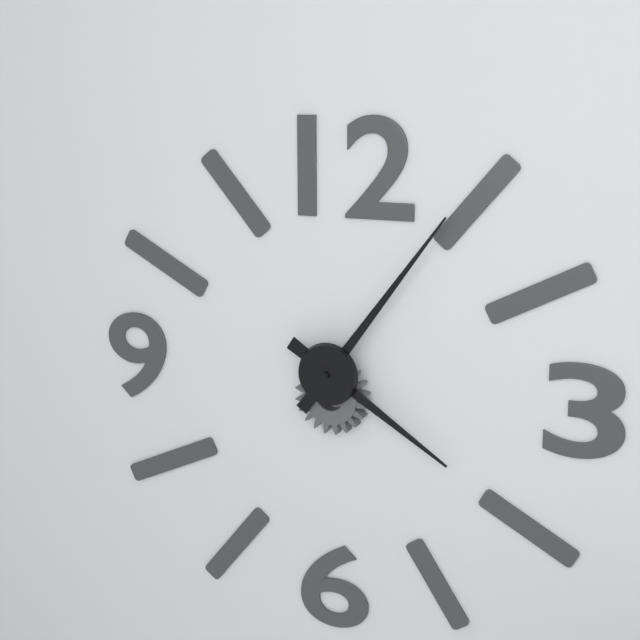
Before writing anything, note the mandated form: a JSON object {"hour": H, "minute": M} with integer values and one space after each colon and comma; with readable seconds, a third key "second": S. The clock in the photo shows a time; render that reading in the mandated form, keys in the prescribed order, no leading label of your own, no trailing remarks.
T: {"hour": 4, "minute": 6}
